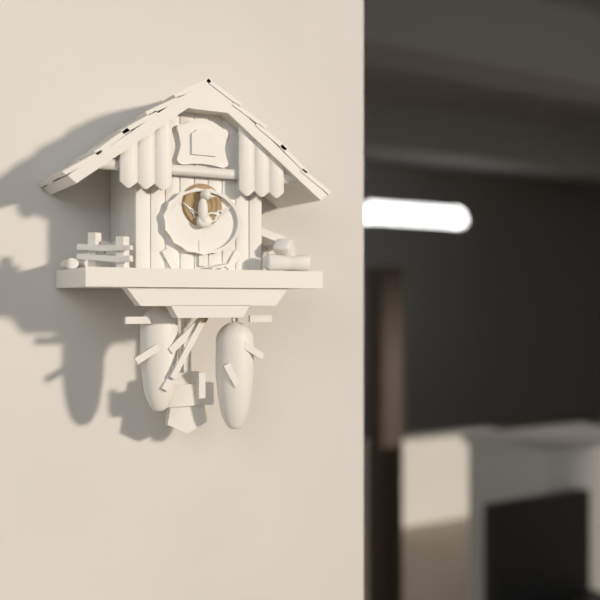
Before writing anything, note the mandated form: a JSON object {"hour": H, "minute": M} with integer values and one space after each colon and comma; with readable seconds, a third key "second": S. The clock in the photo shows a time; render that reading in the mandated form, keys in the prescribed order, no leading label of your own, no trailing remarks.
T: {"hour": 7, "minute": 35}
